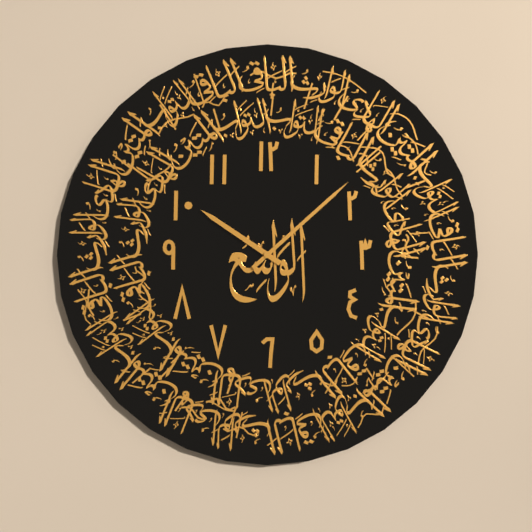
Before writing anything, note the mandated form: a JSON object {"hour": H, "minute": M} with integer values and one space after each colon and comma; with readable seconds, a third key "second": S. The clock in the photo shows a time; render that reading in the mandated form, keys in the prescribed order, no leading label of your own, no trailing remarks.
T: {"hour": 10, "minute": 8}
